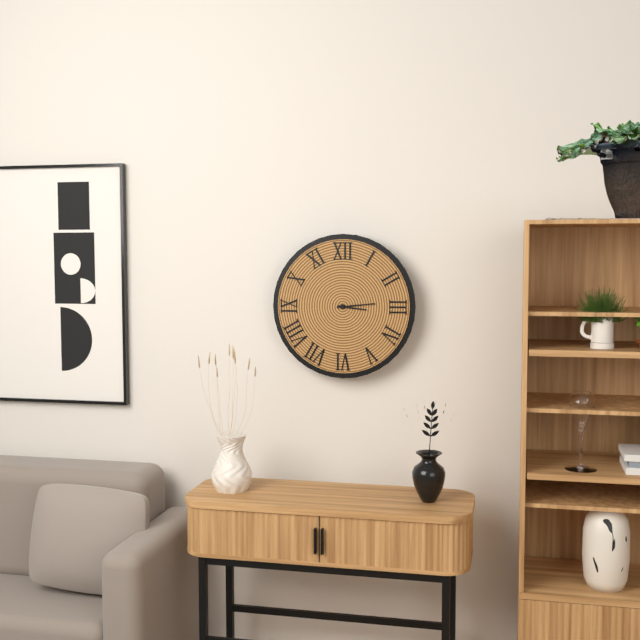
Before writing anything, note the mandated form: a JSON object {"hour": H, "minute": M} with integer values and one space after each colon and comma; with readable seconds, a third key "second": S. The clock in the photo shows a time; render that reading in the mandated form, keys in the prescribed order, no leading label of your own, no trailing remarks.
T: {"hour": 3, "minute": 14}
